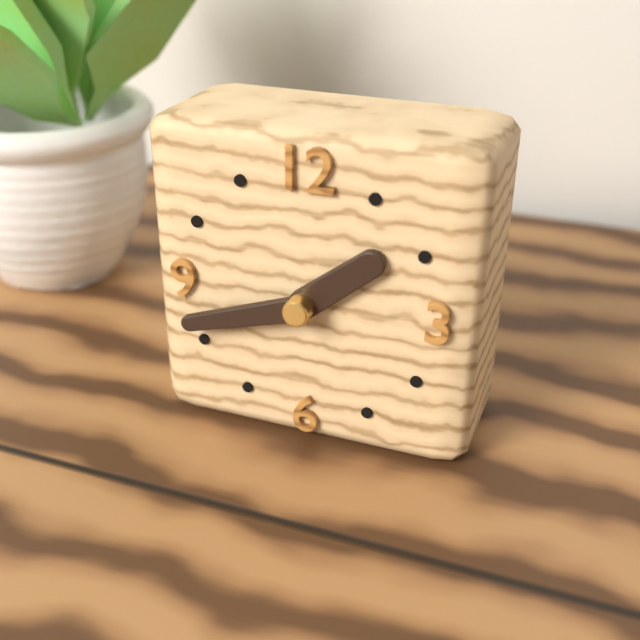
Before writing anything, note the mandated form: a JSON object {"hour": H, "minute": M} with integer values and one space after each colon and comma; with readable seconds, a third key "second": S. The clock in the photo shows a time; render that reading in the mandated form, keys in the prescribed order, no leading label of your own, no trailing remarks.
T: {"hour": 1, "minute": 42}
